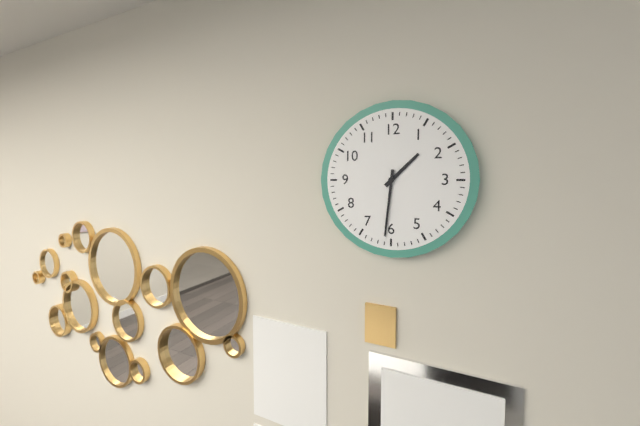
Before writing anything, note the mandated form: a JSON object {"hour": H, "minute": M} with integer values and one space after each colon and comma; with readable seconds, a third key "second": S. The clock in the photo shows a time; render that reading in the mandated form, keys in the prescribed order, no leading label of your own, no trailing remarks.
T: {"hour": 1, "minute": 31}
